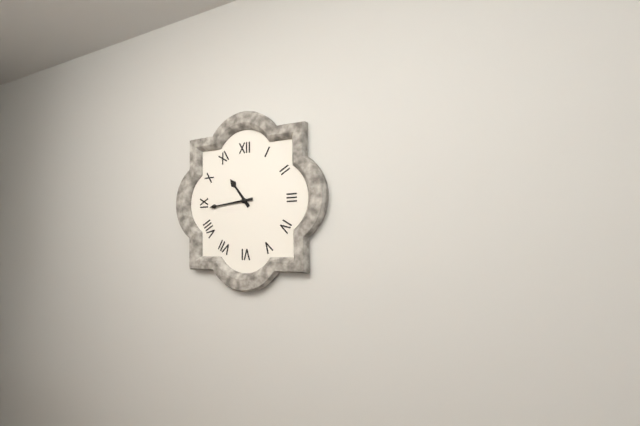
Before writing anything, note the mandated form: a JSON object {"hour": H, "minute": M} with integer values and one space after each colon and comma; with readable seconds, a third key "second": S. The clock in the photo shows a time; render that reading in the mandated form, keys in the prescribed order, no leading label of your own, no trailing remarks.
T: {"hour": 10, "minute": 44}
